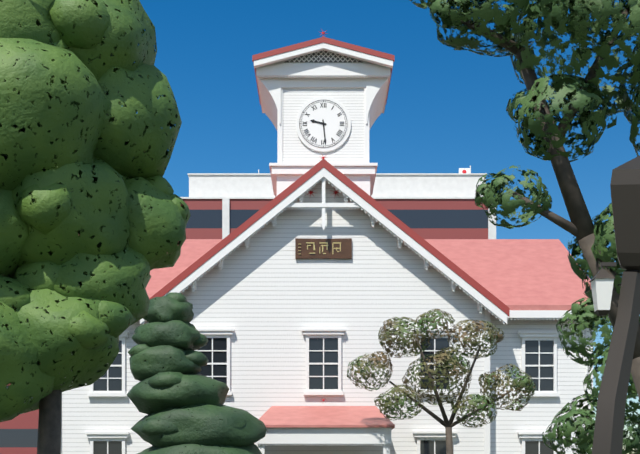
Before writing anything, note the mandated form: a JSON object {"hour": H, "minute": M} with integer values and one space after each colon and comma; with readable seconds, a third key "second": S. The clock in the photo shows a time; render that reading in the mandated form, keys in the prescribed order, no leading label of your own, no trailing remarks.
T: {"hour": 9, "minute": 29}
